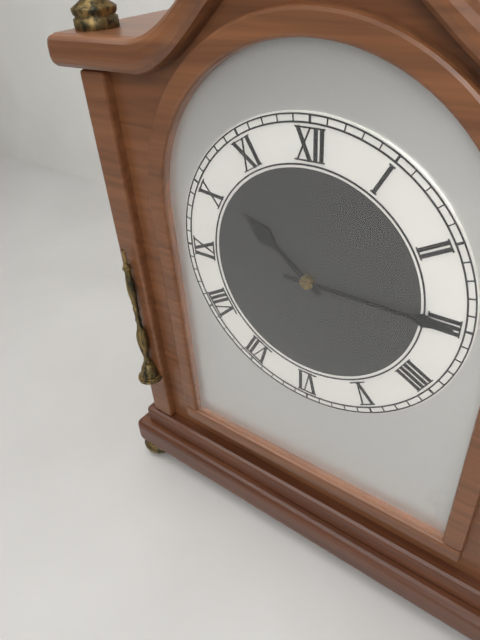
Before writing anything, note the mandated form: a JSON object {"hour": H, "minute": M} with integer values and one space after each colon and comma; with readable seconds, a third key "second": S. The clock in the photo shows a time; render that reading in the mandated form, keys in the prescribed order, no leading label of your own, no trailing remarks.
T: {"hour": 10, "minute": 15}
